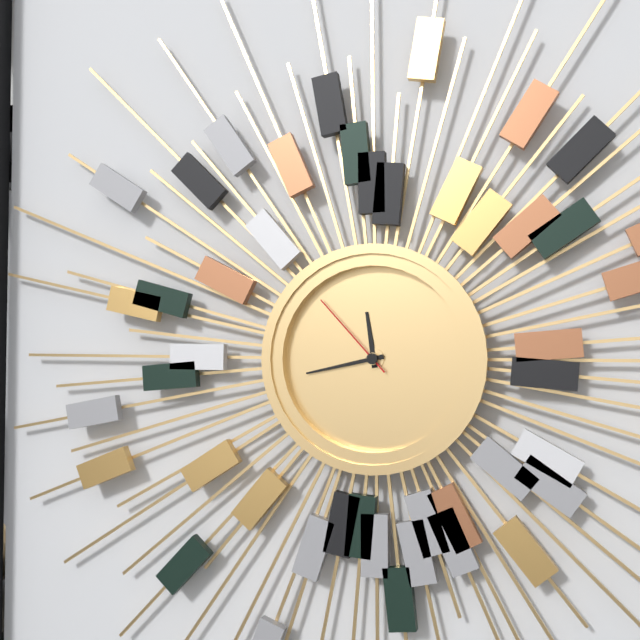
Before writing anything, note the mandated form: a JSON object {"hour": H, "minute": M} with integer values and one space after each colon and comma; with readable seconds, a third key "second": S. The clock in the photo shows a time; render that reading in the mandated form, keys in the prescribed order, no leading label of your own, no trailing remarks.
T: {"hour": 11, "minute": 43, "second": 53}
